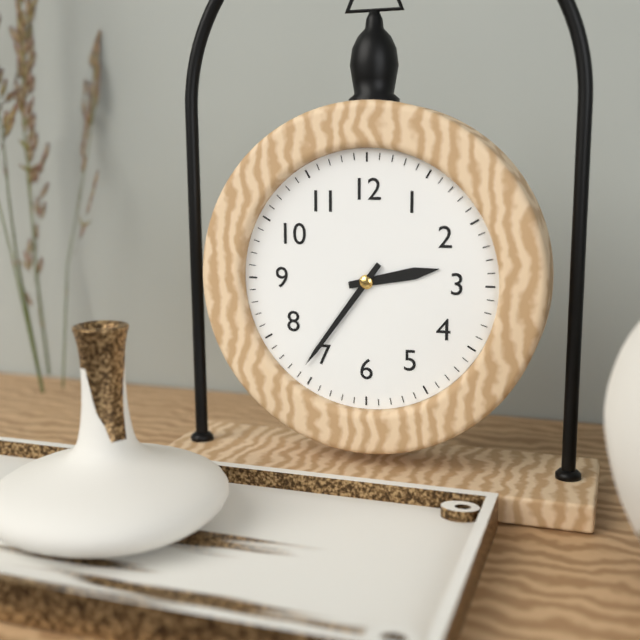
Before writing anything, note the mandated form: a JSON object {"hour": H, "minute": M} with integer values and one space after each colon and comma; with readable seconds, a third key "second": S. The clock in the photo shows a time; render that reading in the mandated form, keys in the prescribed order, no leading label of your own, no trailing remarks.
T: {"hour": 2, "minute": 36}
